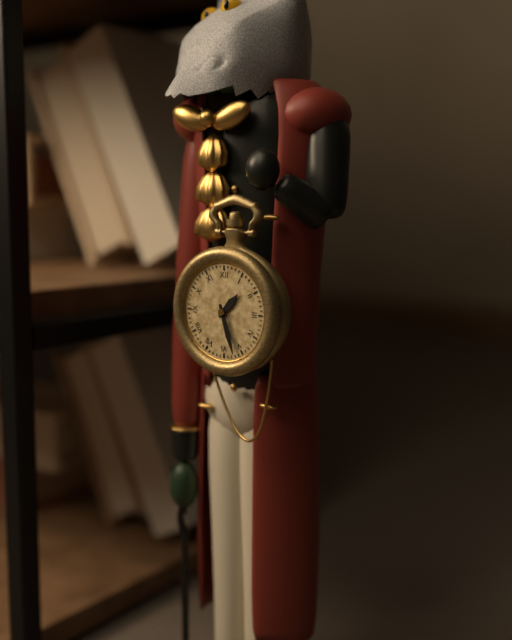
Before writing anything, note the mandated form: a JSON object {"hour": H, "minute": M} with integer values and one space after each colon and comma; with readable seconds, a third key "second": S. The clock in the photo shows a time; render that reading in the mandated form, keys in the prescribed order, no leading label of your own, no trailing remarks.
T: {"hour": 1, "minute": 27}
